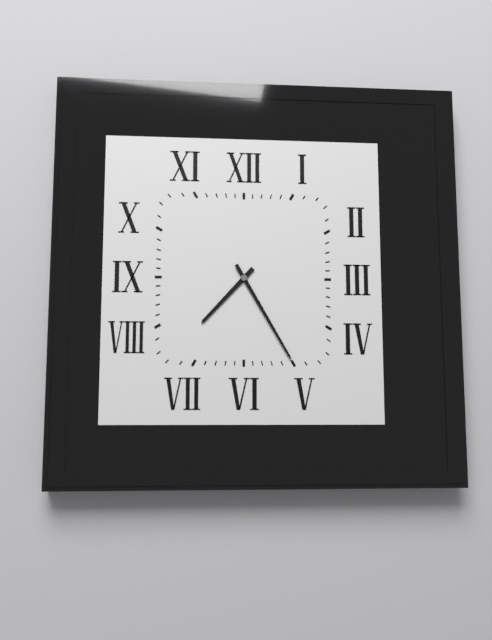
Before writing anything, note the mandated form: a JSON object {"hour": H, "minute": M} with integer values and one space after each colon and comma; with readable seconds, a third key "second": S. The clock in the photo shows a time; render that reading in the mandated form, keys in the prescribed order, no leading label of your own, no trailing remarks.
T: {"hour": 7, "minute": 25}
